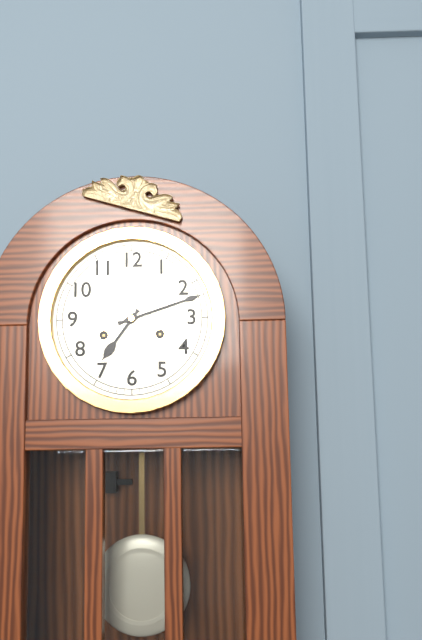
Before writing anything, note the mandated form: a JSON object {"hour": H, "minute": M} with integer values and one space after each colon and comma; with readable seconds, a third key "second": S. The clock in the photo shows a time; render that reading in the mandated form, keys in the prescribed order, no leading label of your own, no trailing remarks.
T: {"hour": 7, "minute": 12}
